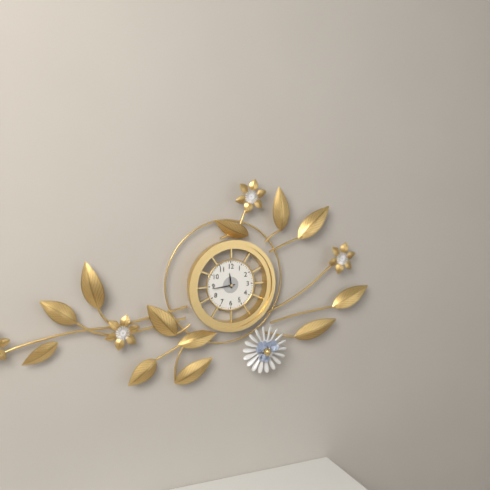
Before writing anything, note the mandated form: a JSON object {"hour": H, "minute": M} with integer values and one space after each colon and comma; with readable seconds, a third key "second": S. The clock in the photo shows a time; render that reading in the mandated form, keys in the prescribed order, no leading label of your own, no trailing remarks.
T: {"hour": 11, "minute": 44}
